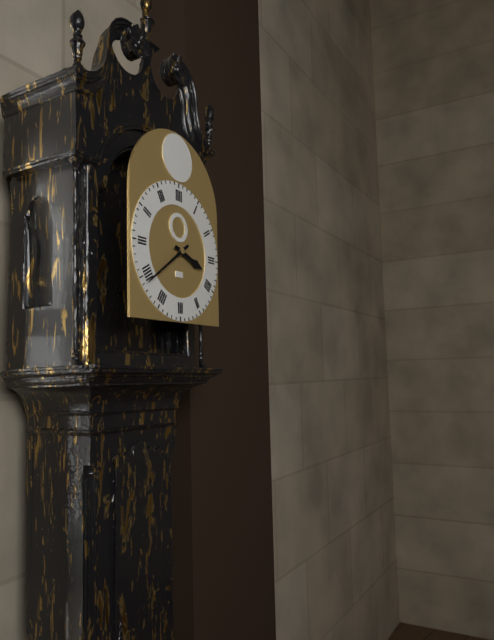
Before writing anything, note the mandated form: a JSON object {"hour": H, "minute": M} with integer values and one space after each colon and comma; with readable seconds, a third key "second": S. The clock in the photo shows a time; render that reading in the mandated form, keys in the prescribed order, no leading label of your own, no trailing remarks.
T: {"hour": 3, "minute": 39}
